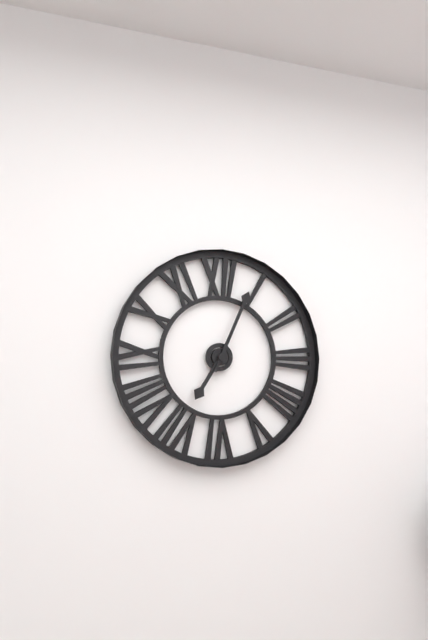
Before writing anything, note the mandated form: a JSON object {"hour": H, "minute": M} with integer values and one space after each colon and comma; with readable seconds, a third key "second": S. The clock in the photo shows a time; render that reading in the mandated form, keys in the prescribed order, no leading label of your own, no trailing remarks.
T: {"hour": 7, "minute": 4}
